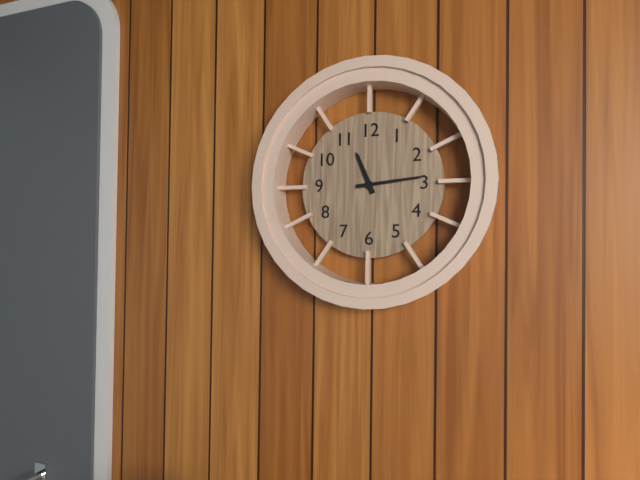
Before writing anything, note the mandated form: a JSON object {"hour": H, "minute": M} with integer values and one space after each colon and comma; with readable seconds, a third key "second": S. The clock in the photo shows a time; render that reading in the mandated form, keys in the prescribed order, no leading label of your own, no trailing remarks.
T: {"hour": 11, "minute": 14}
